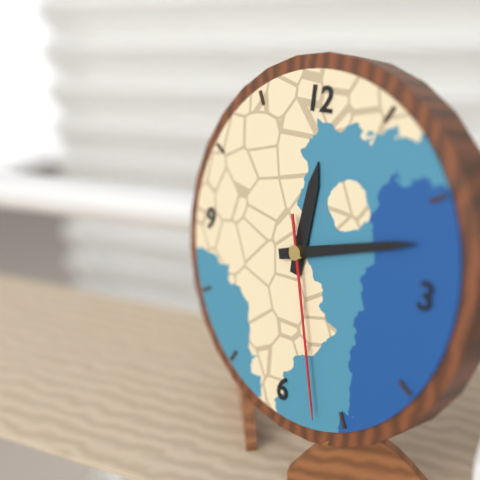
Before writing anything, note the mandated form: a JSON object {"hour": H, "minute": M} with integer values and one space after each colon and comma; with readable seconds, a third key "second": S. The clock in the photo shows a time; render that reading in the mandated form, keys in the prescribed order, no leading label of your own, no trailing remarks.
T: {"hour": 12, "minute": 12, "second": 27}
